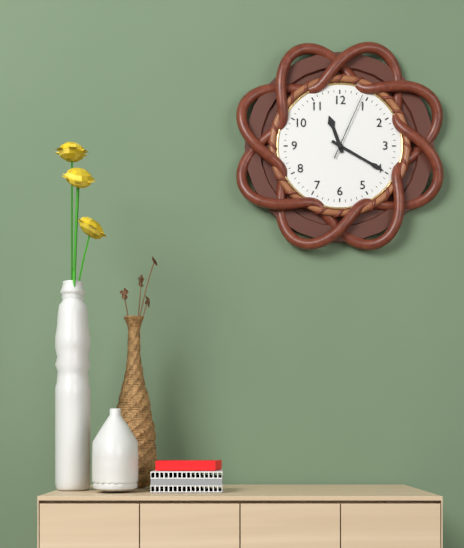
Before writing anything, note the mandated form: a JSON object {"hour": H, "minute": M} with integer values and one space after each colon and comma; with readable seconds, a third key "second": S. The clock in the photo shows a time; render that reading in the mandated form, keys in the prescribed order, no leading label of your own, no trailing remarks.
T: {"hour": 11, "minute": 20, "second": 4}
